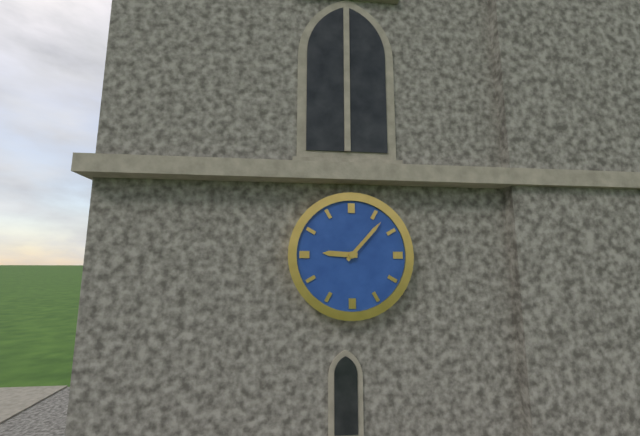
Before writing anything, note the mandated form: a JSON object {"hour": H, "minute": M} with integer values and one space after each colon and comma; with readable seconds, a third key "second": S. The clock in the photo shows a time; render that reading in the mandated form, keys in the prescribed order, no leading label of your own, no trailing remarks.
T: {"hour": 9, "minute": 7}
